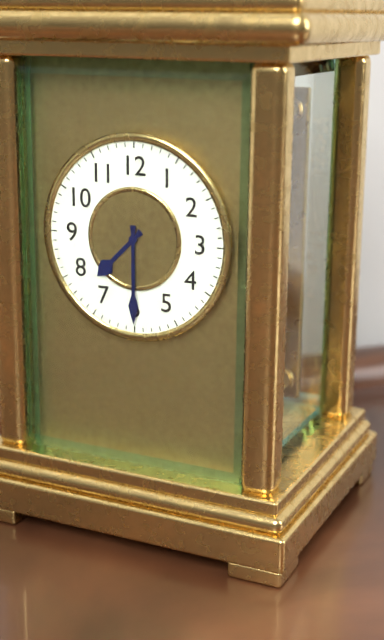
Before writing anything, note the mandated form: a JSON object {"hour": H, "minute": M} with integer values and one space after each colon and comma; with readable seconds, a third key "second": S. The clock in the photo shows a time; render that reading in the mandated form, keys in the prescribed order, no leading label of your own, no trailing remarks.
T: {"hour": 7, "minute": 30}
